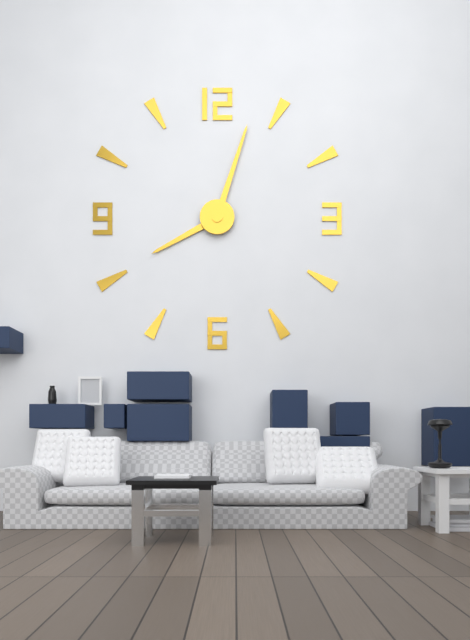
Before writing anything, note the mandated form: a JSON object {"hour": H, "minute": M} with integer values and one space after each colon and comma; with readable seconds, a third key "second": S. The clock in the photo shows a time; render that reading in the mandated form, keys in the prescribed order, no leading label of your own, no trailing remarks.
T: {"hour": 8, "minute": 3}
